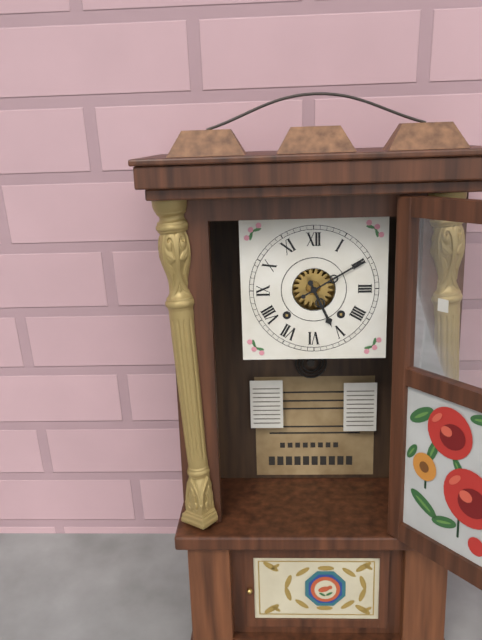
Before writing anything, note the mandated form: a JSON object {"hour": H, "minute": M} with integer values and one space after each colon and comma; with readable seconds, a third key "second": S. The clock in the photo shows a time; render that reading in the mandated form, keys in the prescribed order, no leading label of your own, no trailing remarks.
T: {"hour": 5, "minute": 10}
